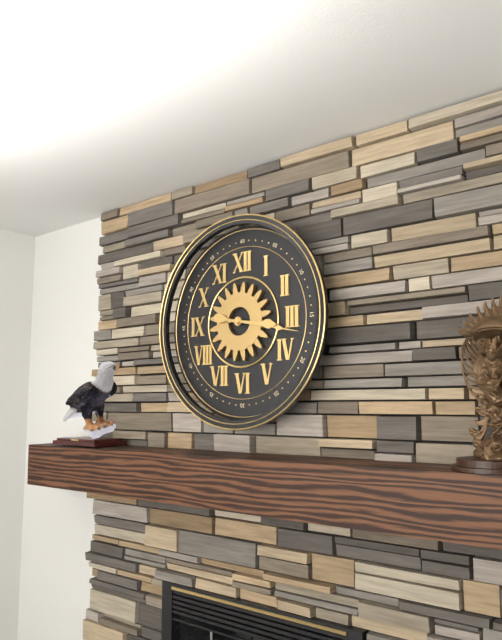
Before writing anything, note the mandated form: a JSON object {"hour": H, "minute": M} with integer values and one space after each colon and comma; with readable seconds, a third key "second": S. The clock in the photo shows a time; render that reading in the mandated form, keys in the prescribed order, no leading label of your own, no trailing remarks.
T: {"hour": 3, "minute": 17}
